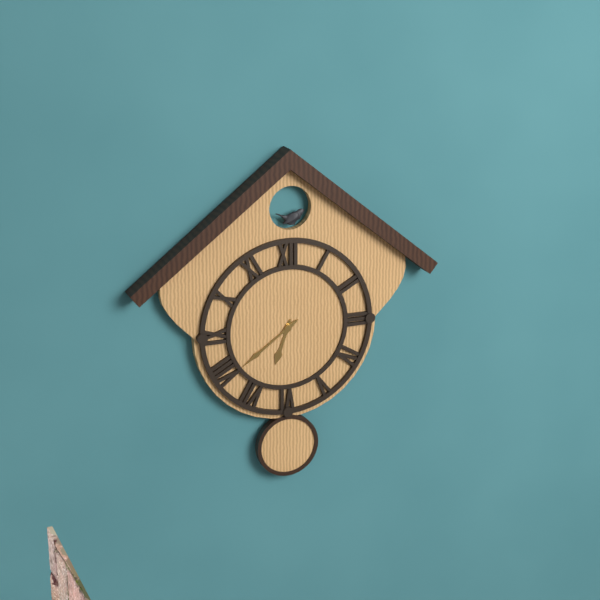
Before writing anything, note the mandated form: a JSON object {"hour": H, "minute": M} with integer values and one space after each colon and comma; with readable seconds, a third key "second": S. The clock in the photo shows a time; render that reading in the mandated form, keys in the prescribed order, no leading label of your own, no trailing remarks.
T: {"hour": 6, "minute": 39}
